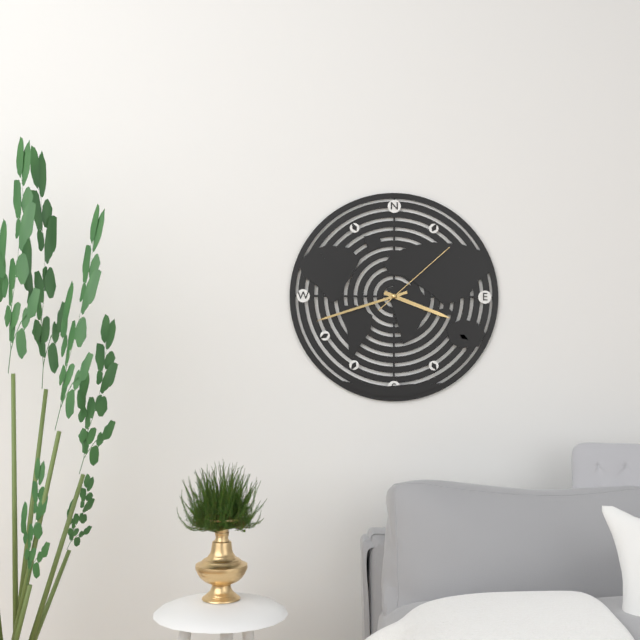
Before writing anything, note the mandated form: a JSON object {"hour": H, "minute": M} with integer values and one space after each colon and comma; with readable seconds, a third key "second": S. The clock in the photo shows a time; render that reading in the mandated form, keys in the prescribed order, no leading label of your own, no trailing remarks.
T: {"hour": 3, "minute": 42, "second": 8}
